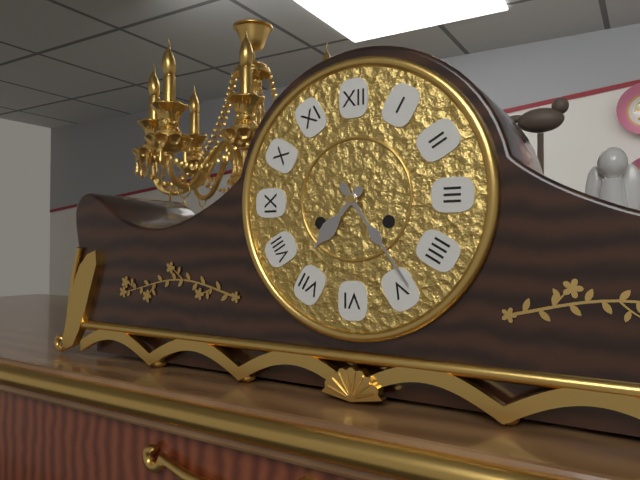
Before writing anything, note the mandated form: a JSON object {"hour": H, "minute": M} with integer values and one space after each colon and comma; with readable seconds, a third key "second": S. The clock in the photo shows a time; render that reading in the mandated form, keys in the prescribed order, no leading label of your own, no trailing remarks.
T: {"hour": 7, "minute": 24}
